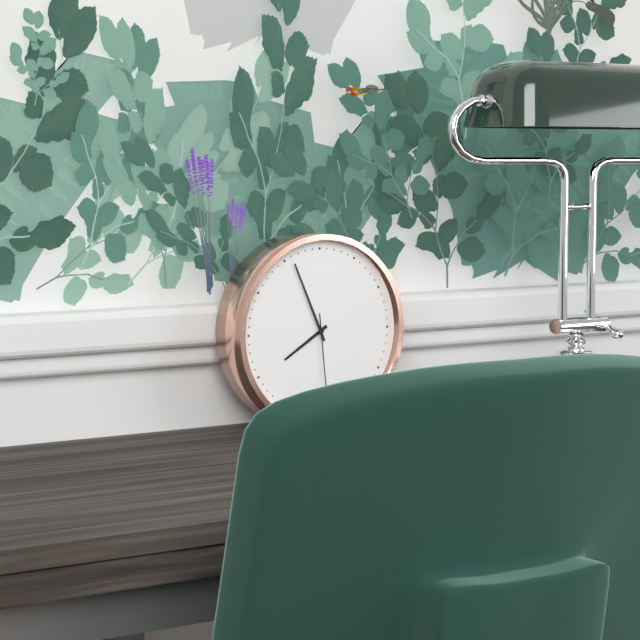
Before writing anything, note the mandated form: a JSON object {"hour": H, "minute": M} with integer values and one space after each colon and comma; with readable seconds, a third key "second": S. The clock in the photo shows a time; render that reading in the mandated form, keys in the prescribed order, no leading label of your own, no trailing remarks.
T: {"hour": 7, "minute": 56, "second": 29}
